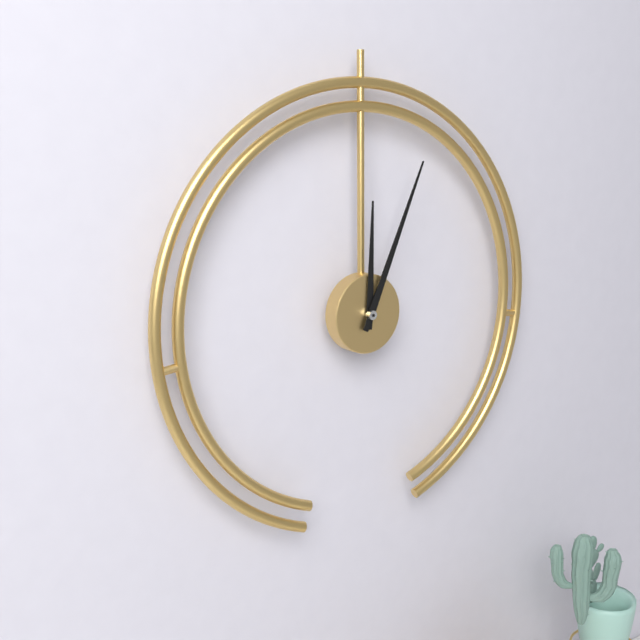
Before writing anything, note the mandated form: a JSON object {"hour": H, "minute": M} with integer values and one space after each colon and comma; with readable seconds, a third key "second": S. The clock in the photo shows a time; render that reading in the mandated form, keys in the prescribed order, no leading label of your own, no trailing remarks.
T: {"hour": 12, "minute": 4}
